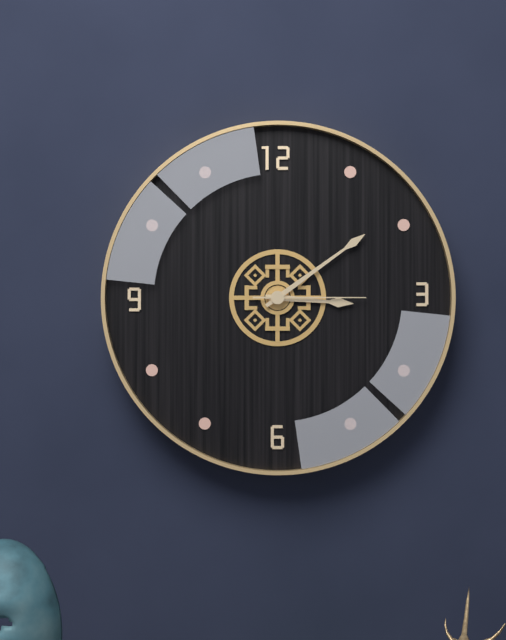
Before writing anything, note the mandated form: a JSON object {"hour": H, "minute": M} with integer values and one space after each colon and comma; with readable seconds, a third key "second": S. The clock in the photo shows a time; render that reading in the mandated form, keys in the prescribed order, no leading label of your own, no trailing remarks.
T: {"hour": 3, "minute": 9, "second": 15}
